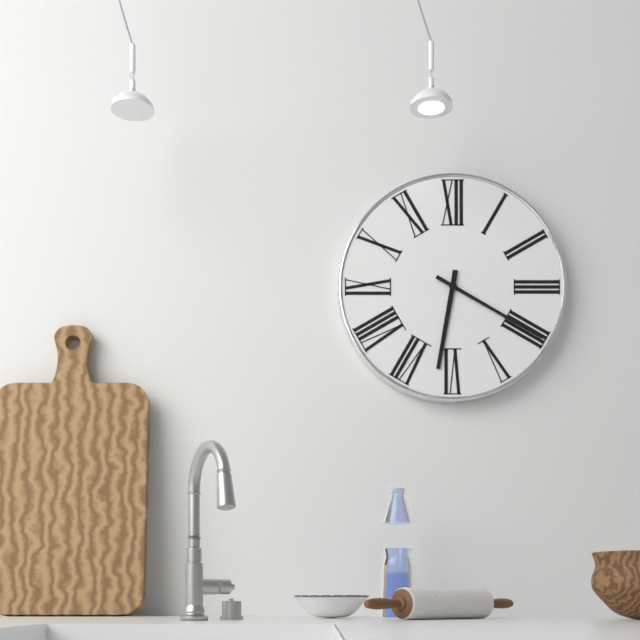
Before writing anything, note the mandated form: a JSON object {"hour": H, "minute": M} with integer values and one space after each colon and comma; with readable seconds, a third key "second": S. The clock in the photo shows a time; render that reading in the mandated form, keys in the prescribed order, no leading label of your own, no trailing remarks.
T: {"hour": 6, "minute": 20}
